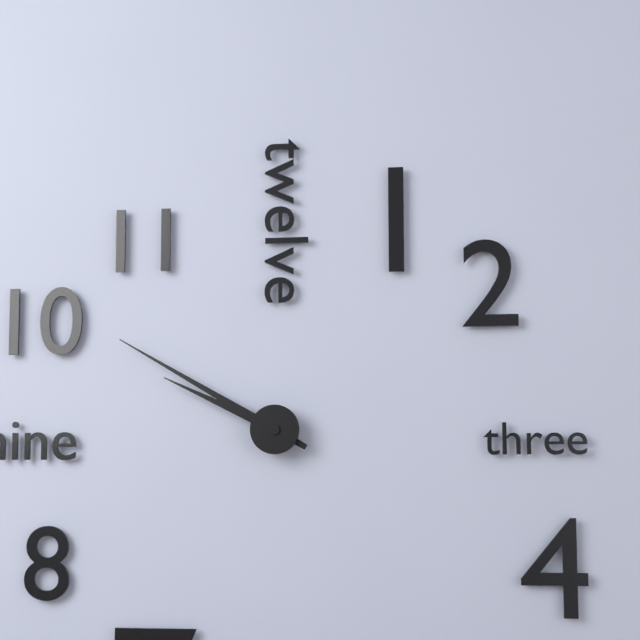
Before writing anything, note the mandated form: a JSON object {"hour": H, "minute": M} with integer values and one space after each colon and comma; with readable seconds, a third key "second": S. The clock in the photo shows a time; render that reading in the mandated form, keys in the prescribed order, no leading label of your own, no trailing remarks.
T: {"hour": 9, "minute": 50}
